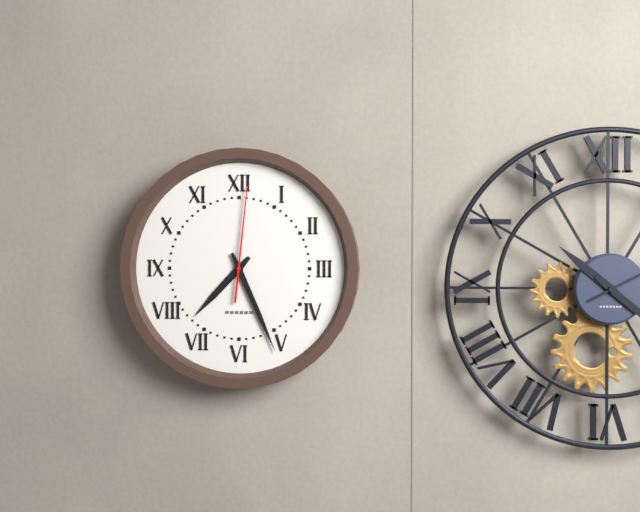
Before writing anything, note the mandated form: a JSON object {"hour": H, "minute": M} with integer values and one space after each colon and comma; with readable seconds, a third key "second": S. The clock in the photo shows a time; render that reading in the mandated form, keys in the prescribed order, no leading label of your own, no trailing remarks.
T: {"hour": 7, "minute": 26, "second": 1}
